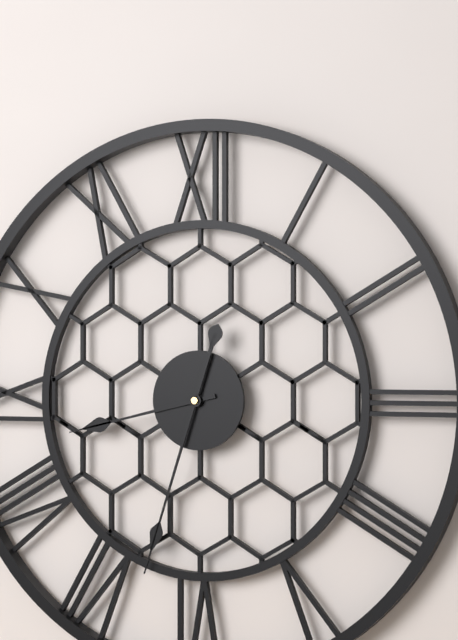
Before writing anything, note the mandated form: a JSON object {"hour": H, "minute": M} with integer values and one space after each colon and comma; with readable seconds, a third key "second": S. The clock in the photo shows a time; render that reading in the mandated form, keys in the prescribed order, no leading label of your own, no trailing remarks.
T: {"hour": 8, "minute": 33}
